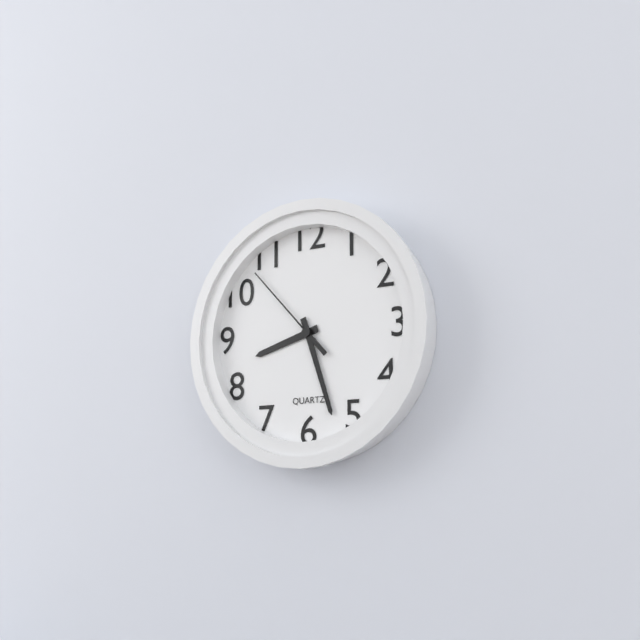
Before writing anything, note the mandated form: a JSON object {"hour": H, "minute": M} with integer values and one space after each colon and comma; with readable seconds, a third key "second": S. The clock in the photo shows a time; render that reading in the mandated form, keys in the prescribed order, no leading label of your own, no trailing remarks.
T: {"hour": 8, "minute": 27, "second": 53}
